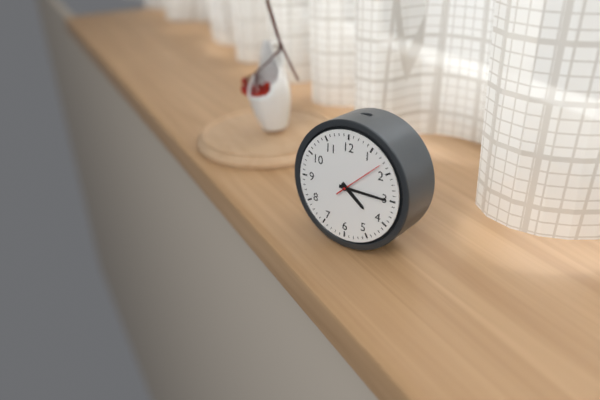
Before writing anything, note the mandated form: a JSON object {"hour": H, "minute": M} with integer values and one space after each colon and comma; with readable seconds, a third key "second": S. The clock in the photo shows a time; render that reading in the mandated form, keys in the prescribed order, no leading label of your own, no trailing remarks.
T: {"hour": 4, "minute": 15, "second": 8}
